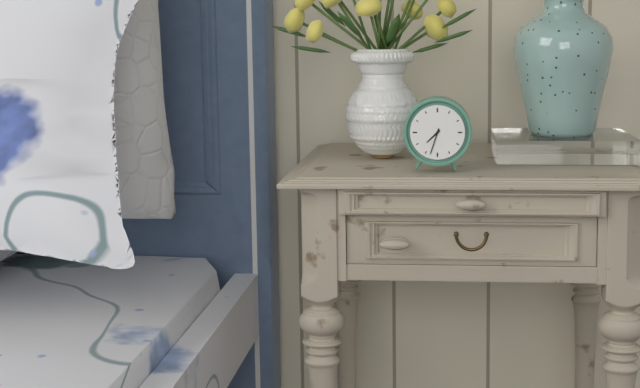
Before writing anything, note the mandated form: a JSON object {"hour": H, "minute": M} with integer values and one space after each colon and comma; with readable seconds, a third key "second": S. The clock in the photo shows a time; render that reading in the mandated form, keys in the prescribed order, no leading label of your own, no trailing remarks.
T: {"hour": 7, "minute": 33}
